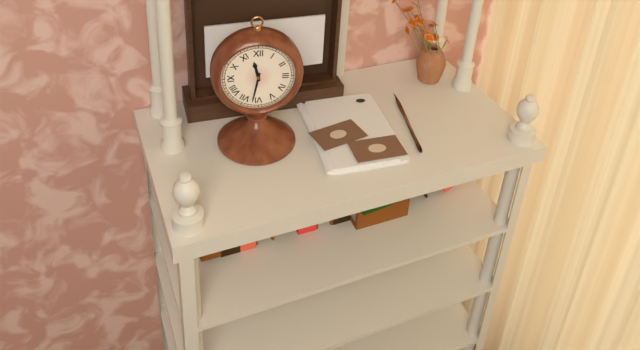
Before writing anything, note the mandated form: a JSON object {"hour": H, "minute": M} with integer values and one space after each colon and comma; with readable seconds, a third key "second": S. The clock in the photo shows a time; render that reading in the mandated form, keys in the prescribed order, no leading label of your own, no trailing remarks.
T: {"hour": 11, "minute": 32}
